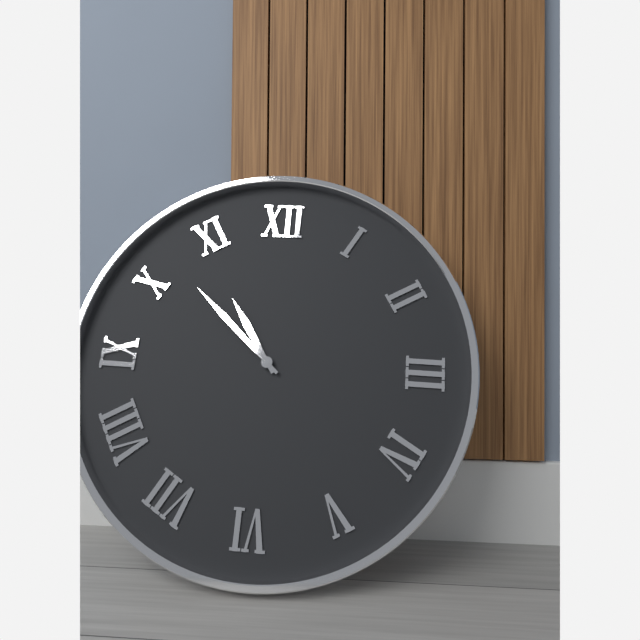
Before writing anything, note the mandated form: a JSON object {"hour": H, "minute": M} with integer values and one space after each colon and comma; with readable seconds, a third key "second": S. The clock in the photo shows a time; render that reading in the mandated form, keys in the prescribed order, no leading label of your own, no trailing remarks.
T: {"hour": 10, "minute": 52}
